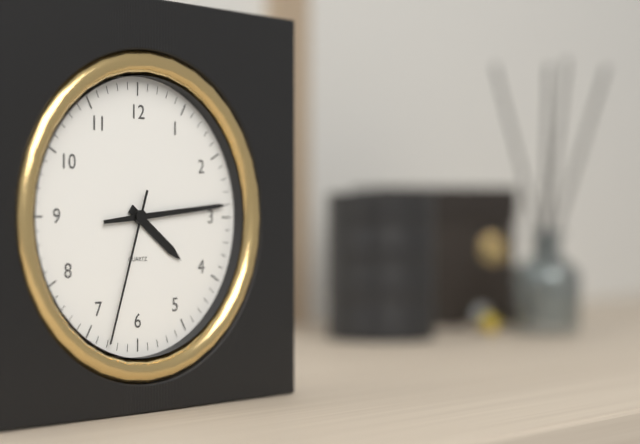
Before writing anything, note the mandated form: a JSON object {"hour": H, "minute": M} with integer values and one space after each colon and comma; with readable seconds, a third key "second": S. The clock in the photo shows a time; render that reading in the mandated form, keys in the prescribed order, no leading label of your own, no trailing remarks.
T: {"hour": 4, "minute": 14, "second": 33}
